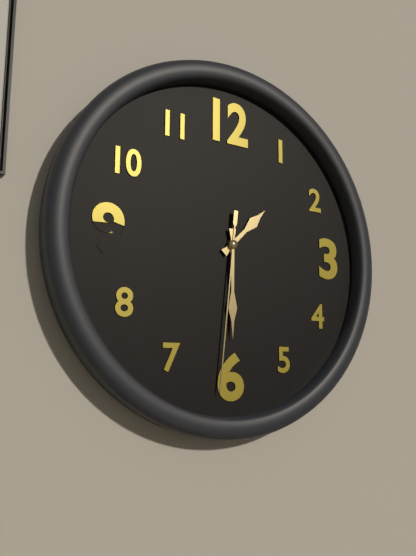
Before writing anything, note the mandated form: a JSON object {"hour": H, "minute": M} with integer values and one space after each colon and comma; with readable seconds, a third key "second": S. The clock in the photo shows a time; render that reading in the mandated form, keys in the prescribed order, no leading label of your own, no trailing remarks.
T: {"hour": 1, "minute": 30, "second": 31}
